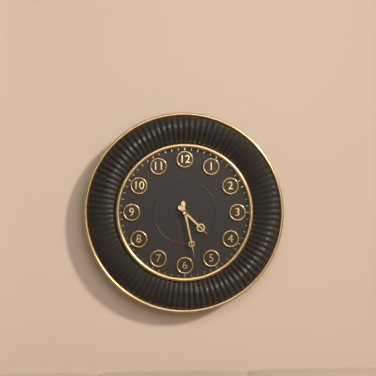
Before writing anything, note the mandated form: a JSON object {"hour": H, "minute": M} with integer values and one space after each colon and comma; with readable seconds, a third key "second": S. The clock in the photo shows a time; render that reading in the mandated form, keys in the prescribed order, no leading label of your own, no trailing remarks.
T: {"hour": 4, "minute": 28}
